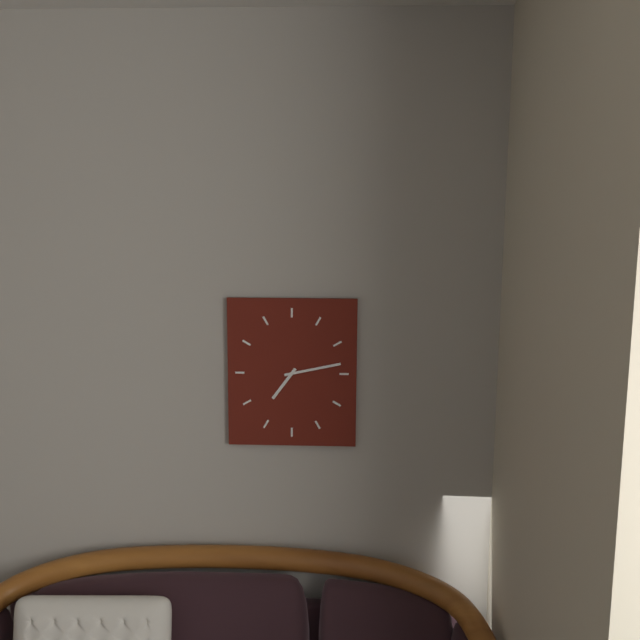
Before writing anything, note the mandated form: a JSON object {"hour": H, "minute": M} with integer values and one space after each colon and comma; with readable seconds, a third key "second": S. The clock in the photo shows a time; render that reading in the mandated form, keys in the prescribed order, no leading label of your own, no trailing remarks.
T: {"hour": 7, "minute": 13}
